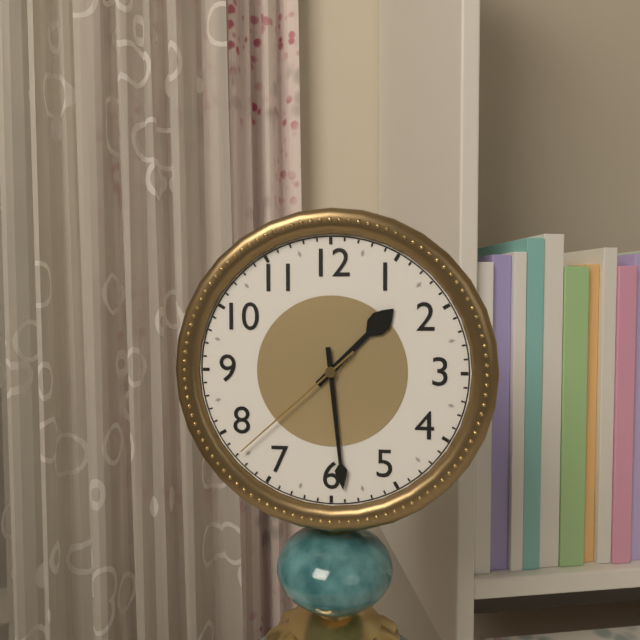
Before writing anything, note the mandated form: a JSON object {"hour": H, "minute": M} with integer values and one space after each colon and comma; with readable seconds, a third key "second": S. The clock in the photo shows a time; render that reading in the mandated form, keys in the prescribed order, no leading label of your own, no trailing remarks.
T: {"hour": 1, "minute": 29, "second": 38}
